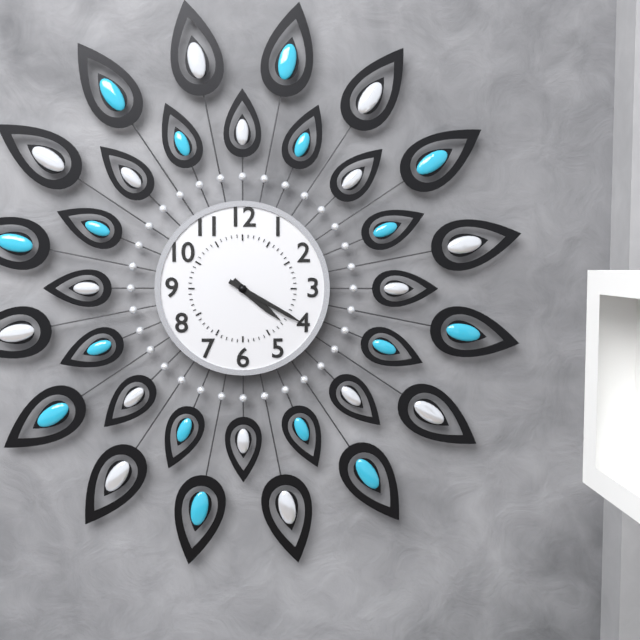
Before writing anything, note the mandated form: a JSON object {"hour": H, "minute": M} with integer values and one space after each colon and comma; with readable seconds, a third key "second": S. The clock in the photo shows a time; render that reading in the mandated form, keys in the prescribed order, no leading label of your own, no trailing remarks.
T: {"hour": 4, "minute": 20}
